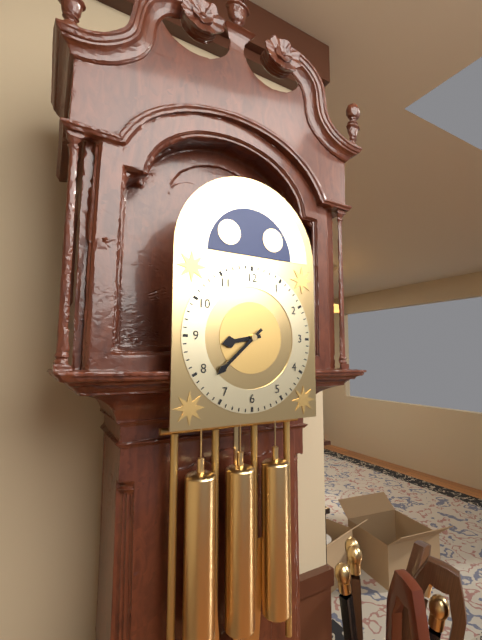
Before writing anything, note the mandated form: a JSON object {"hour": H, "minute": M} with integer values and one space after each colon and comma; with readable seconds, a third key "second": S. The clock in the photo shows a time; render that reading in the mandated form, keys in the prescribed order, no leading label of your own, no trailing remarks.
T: {"hour": 8, "minute": 38}
